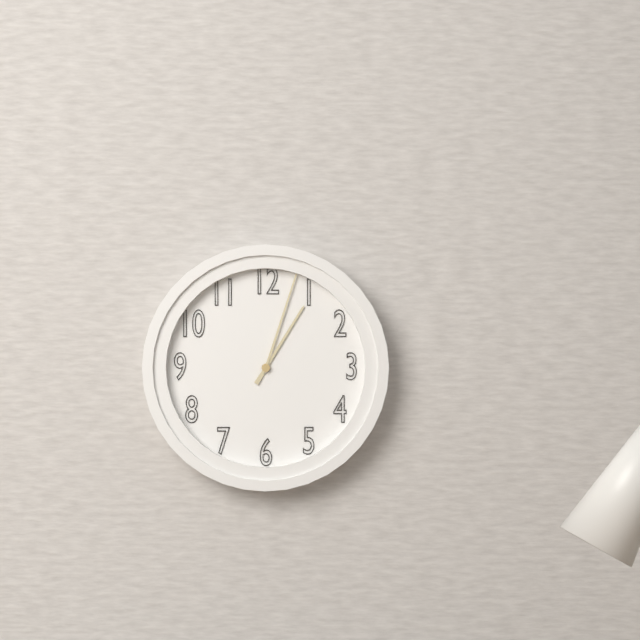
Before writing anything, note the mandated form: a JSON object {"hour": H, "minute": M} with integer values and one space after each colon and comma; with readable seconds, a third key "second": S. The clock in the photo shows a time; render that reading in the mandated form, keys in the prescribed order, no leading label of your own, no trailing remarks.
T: {"hour": 1, "minute": 3}
